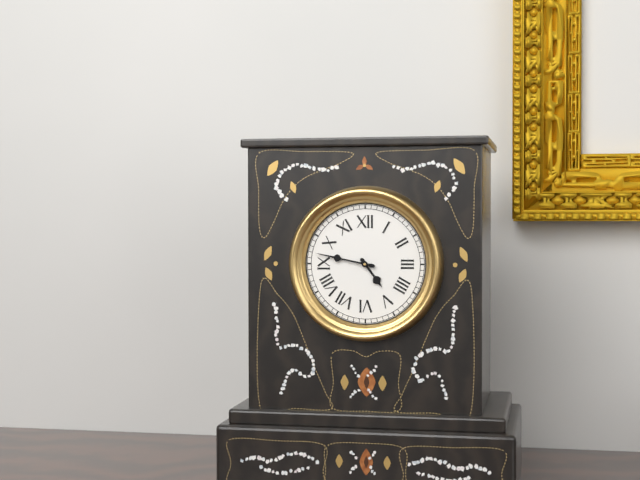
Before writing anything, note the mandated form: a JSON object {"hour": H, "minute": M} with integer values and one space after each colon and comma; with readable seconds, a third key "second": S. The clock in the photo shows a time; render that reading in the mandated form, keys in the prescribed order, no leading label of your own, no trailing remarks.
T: {"hour": 4, "minute": 47}
